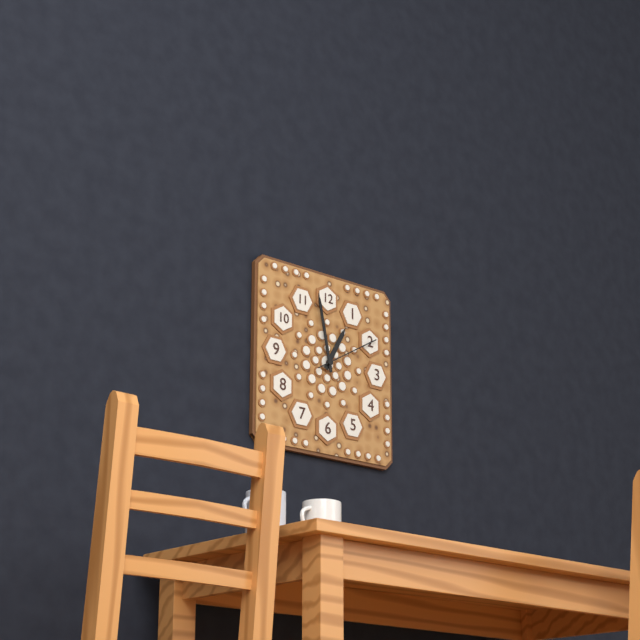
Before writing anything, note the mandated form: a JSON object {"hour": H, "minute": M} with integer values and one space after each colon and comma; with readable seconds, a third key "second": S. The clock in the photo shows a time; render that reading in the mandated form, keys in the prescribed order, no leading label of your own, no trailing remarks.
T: {"hour": 12, "minute": 58, "second": 10}
